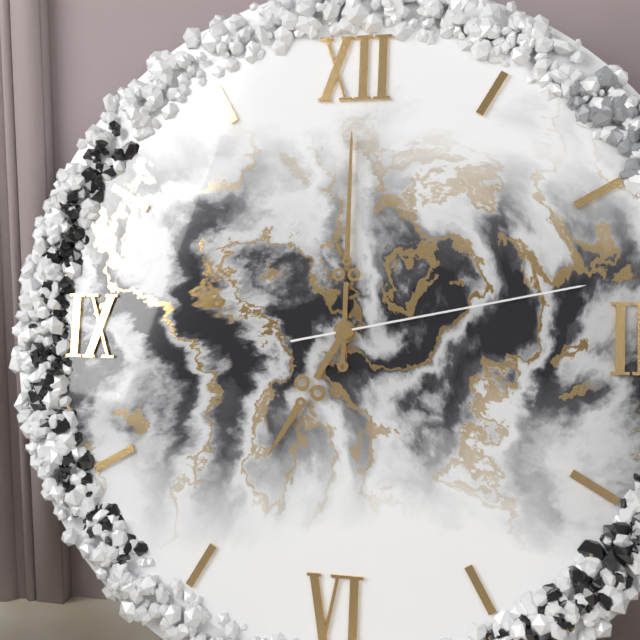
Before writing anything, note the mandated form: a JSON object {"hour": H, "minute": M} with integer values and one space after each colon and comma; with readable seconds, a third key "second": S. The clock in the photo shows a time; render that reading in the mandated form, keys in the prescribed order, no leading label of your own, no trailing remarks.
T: {"hour": 7, "minute": 0, "second": 13}
